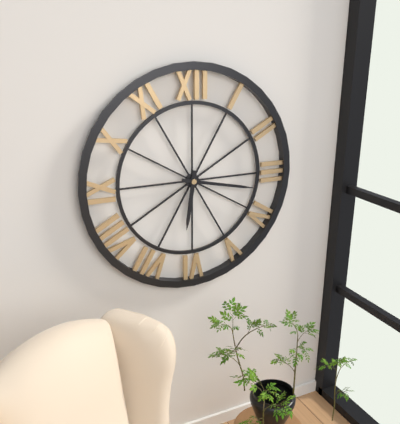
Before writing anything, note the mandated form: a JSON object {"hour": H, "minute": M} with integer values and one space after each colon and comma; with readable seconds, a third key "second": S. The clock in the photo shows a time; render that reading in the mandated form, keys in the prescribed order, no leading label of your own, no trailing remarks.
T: {"hour": 6, "minute": 17}
